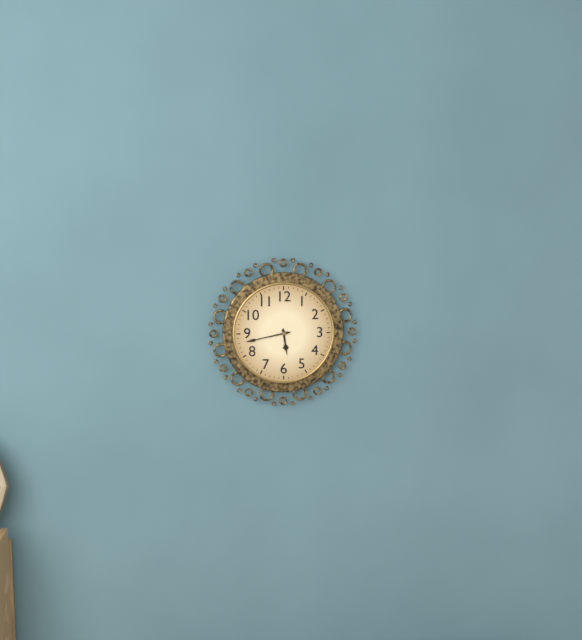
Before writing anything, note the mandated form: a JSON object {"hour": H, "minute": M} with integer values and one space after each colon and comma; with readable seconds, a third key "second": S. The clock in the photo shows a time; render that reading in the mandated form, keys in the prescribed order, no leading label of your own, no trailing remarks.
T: {"hour": 5, "minute": 43}
